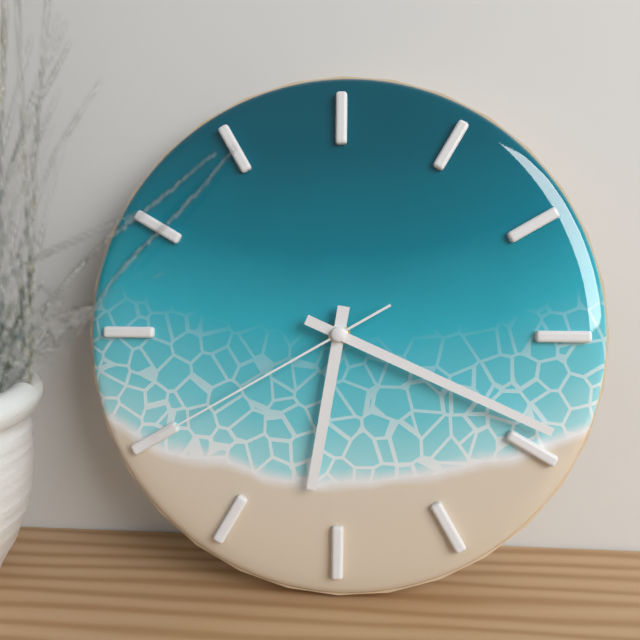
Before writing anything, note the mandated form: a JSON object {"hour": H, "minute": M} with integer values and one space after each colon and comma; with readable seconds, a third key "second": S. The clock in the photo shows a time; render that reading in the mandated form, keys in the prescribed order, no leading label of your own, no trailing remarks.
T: {"hour": 6, "minute": 19, "second": 40}
